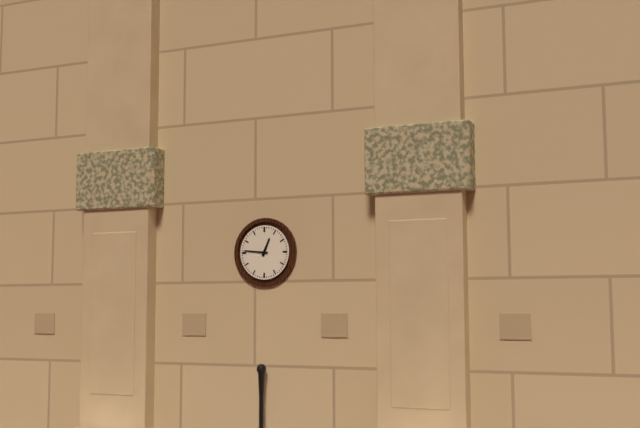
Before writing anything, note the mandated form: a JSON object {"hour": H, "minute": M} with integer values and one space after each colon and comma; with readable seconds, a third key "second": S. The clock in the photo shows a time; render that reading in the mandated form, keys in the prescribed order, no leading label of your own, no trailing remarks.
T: {"hour": 12, "minute": 46}
